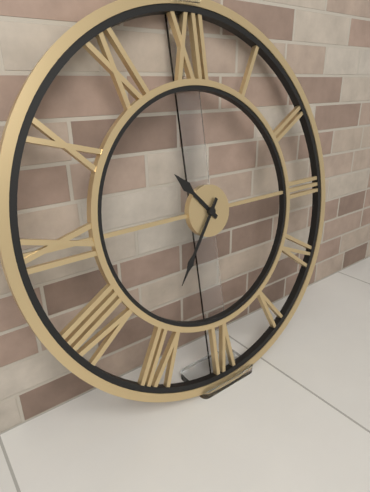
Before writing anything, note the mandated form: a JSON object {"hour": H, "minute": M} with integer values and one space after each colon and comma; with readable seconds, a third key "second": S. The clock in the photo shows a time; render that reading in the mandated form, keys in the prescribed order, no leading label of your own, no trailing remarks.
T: {"hour": 10, "minute": 36}
